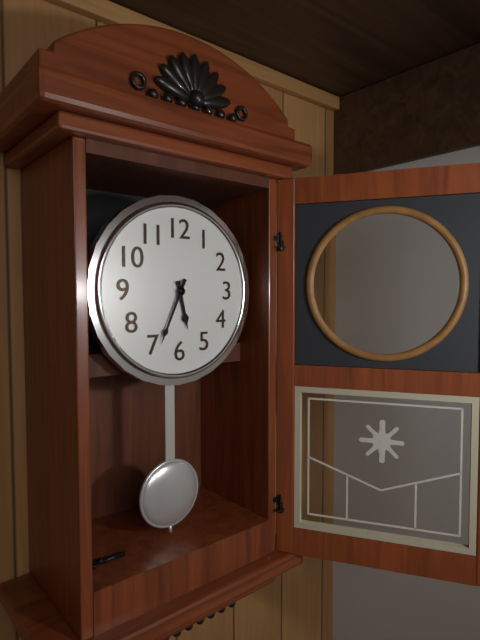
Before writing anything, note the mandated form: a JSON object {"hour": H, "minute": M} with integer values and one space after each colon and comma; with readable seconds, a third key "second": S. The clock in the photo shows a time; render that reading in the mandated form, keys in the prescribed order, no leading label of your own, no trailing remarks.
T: {"hour": 5, "minute": 34}
